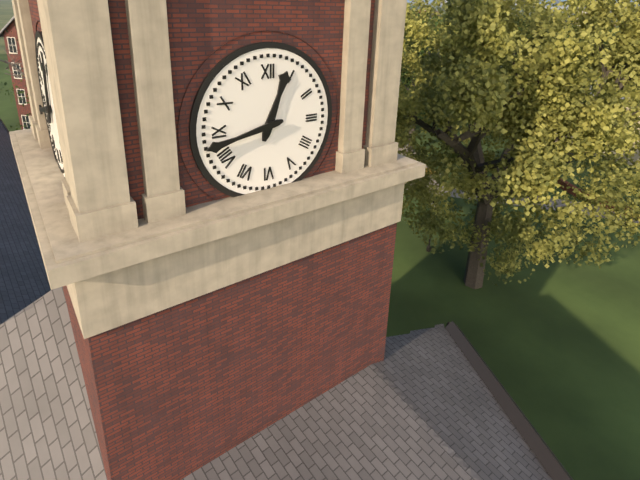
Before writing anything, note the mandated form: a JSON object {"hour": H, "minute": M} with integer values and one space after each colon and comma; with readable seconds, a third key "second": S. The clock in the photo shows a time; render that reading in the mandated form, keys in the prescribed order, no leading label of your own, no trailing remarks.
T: {"hour": 12, "minute": 43}
